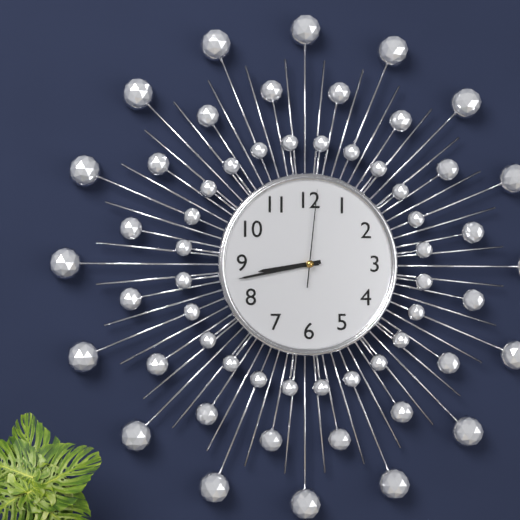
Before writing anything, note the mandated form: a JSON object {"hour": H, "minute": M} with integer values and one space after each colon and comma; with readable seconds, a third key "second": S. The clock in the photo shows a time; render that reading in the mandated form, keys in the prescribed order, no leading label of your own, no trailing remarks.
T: {"hour": 8, "minute": 43, "second": 1}
